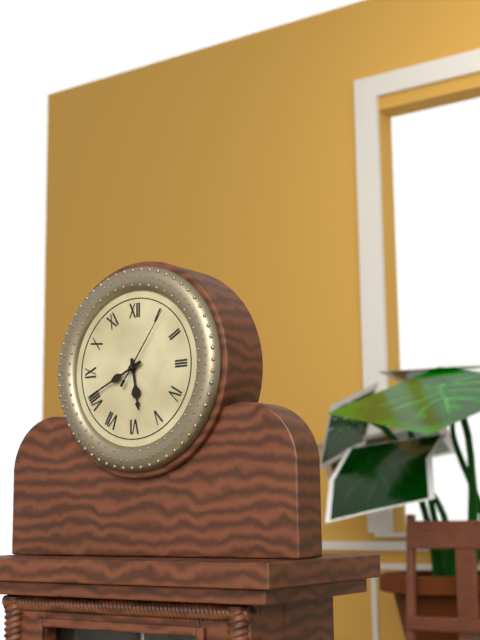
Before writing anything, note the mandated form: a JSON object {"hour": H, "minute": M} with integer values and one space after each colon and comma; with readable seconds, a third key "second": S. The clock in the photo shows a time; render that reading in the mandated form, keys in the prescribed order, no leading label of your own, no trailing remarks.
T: {"hour": 5, "minute": 41, "second": 6}
